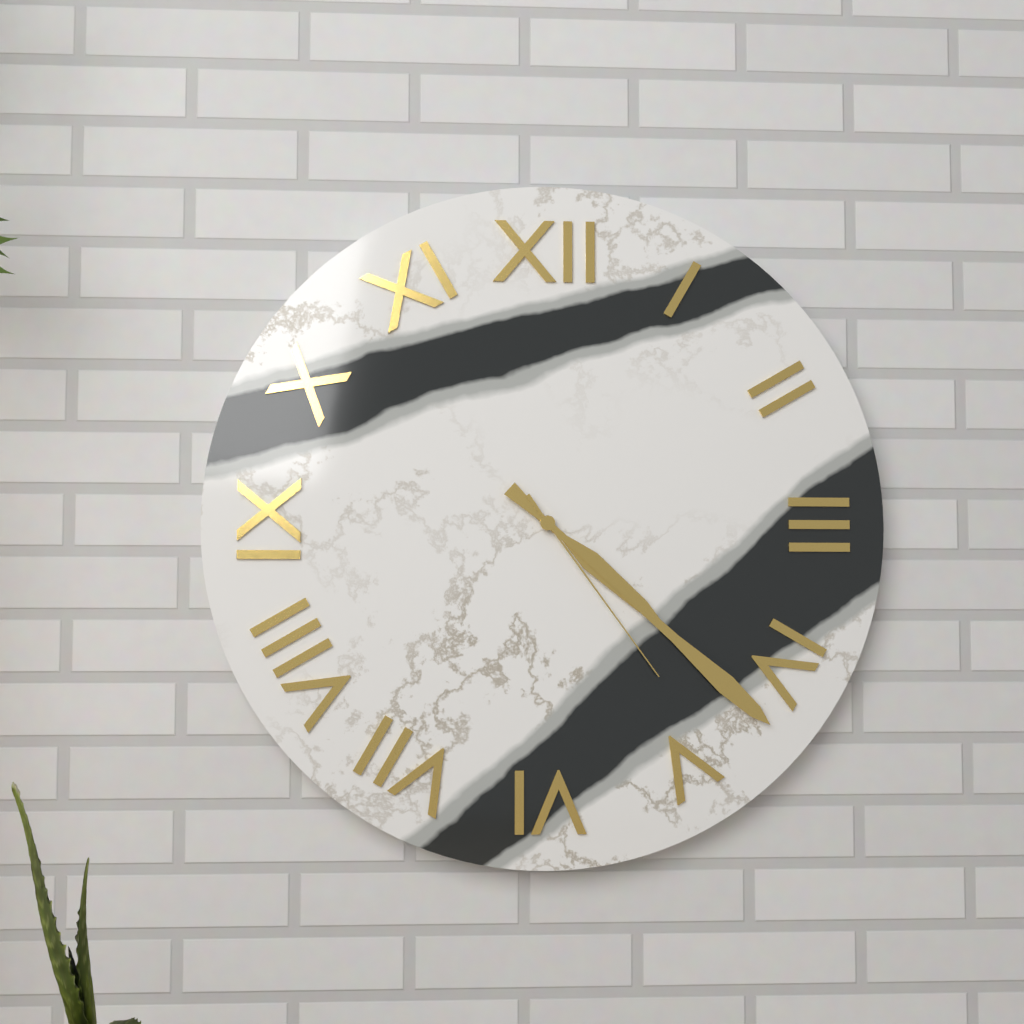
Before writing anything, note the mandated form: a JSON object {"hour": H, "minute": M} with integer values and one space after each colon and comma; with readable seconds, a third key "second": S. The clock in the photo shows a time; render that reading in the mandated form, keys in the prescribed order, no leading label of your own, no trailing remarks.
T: {"hour": 4, "minute": 22, "second": 24}
